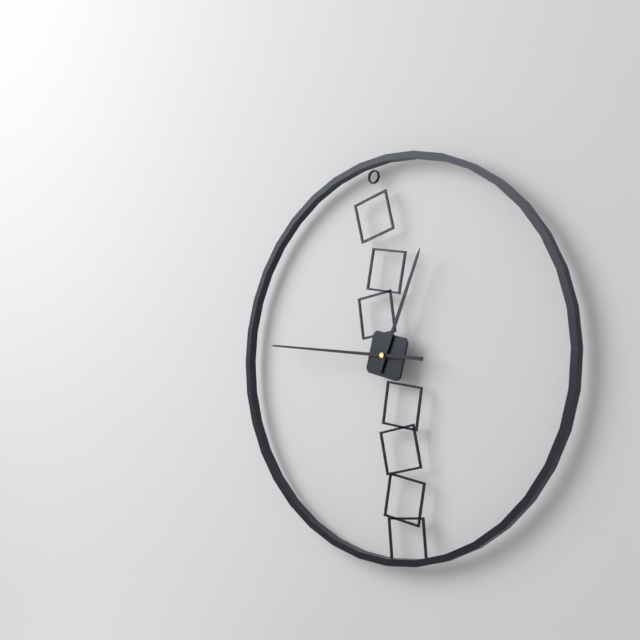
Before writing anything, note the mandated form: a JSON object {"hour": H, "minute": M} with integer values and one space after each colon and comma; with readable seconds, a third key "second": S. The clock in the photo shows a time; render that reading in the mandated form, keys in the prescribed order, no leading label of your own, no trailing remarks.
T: {"hour": 12, "minute": 46}
